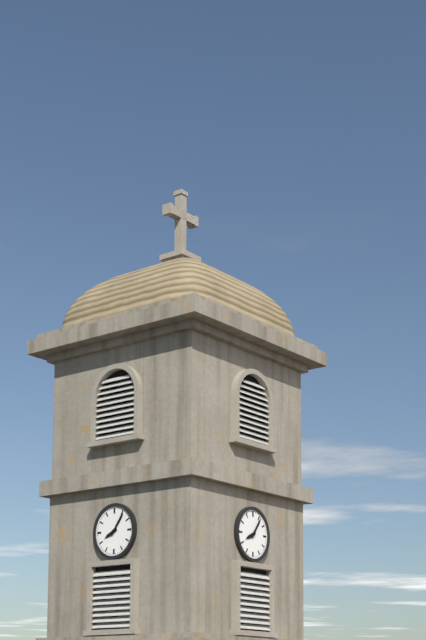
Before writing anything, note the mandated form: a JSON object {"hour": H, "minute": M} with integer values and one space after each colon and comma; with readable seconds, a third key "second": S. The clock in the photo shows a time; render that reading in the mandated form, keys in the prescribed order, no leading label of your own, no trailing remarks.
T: {"hour": 8, "minute": 6}
